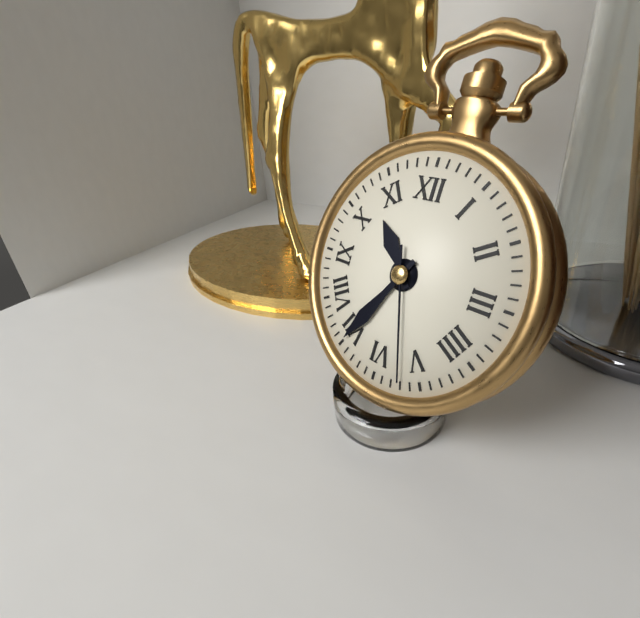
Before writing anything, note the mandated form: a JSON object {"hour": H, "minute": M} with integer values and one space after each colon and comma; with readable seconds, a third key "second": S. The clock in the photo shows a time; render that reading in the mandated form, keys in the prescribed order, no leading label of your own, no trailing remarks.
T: {"hour": 10, "minute": 35, "second": 27}
